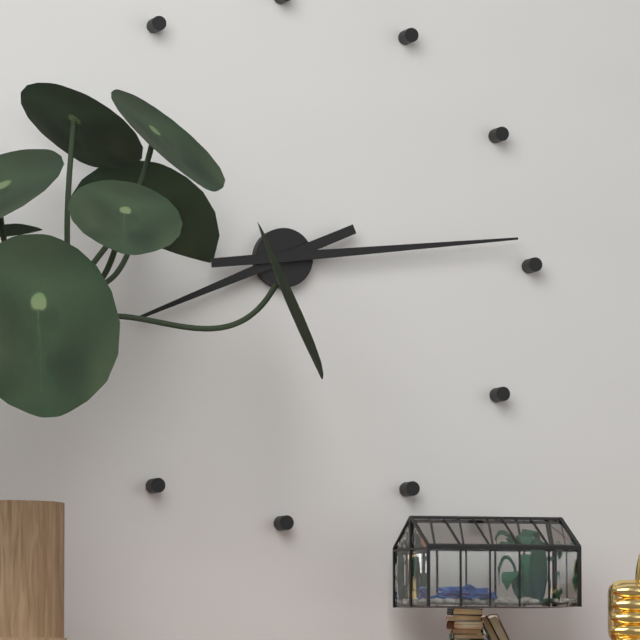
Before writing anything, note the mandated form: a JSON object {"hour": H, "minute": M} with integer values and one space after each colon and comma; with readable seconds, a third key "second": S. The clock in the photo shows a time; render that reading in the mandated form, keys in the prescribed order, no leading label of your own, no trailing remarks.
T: {"hour": 8, "minute": 14}
